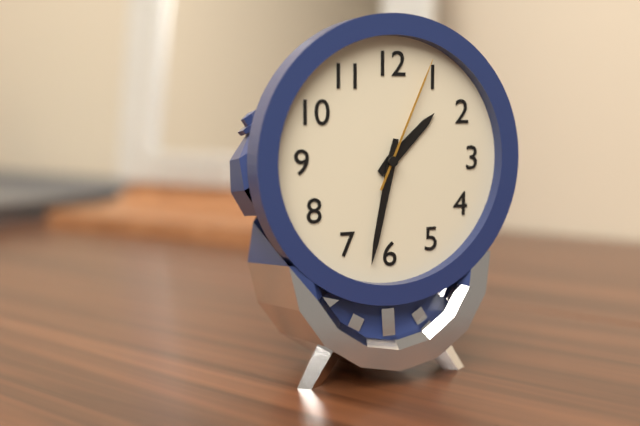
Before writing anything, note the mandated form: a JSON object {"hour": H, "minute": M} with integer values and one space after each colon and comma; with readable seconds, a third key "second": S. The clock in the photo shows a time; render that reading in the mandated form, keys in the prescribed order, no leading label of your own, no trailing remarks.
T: {"hour": 1, "minute": 32, "second": 4}
